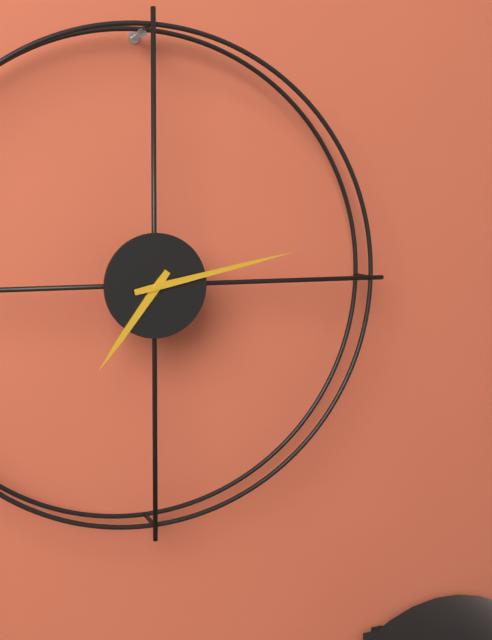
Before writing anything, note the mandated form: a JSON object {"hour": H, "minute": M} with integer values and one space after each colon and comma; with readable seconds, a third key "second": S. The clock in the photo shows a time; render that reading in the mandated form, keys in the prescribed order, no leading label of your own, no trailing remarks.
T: {"hour": 7, "minute": 13}
